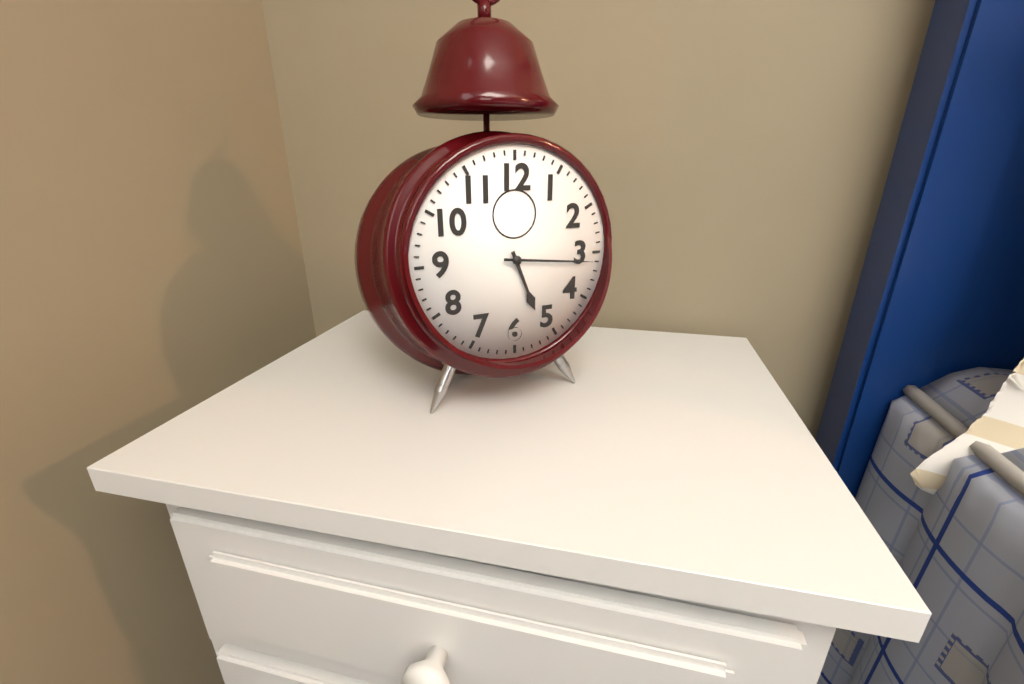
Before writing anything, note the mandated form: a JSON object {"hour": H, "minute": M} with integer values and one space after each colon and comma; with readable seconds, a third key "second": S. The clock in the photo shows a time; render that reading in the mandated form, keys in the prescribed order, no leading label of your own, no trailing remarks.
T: {"hour": 5, "minute": 16}
